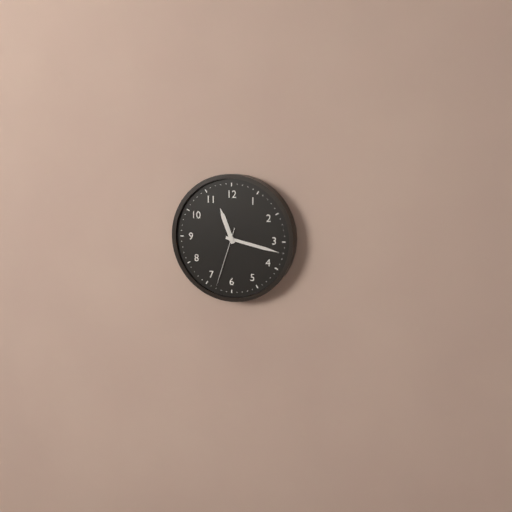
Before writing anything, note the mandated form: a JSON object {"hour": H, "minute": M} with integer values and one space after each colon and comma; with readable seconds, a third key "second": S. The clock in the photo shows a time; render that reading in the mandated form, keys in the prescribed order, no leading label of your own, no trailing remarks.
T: {"hour": 11, "minute": 17, "second": 33}
